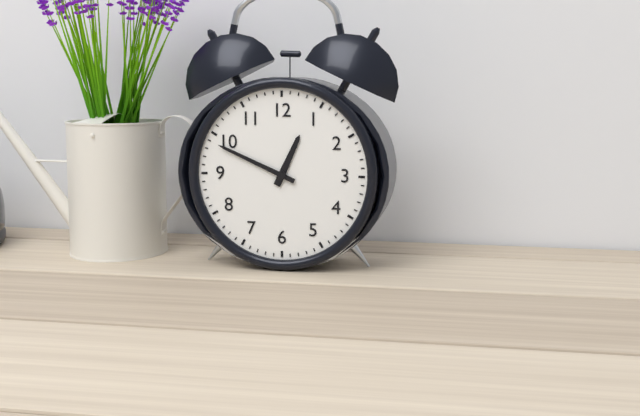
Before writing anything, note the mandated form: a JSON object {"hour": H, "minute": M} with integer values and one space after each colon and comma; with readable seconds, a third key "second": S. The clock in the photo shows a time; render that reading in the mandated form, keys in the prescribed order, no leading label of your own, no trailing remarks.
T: {"hour": 12, "minute": 49}
